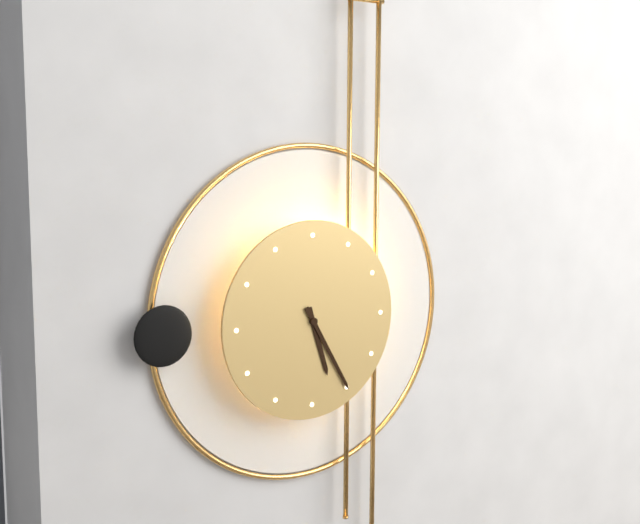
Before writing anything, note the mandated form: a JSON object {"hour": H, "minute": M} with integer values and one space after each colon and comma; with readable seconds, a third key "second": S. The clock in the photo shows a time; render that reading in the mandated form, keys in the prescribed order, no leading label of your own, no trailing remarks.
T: {"hour": 5, "minute": 25}
